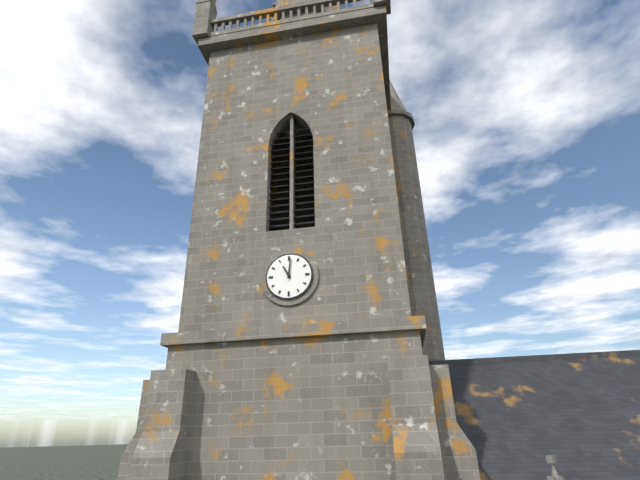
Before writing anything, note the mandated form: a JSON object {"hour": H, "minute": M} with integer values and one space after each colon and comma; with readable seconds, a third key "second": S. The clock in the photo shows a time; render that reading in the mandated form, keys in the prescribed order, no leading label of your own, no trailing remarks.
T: {"hour": 11, "minute": 1}
